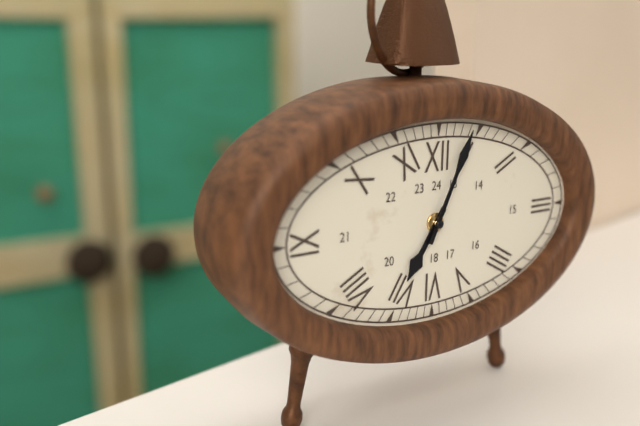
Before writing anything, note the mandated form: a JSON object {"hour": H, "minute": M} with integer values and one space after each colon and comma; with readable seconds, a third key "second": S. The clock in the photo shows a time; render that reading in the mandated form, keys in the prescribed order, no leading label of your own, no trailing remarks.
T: {"hour": 7, "minute": 4}
